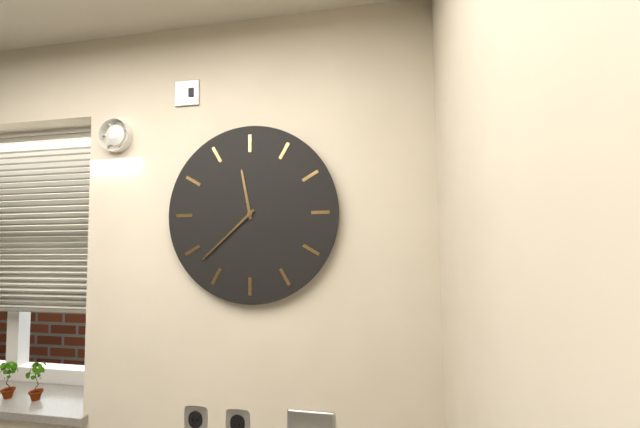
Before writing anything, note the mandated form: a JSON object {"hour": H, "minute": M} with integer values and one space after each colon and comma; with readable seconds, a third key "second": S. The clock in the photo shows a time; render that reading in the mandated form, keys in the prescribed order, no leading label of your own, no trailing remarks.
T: {"hour": 11, "minute": 38}
